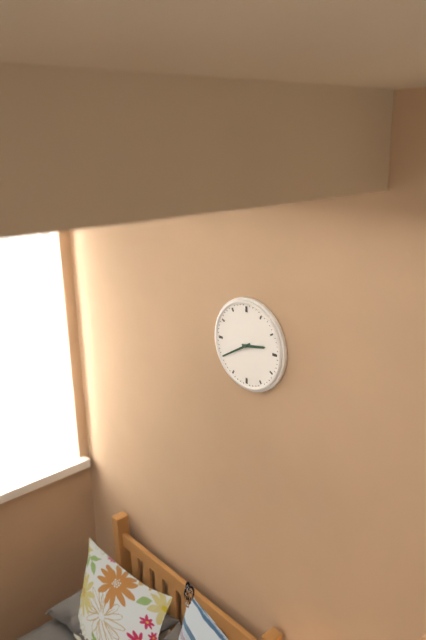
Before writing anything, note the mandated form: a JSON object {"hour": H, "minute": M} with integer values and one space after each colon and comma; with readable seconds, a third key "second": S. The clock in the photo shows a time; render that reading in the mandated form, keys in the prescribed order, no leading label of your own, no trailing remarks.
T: {"hour": 2, "minute": 40}
